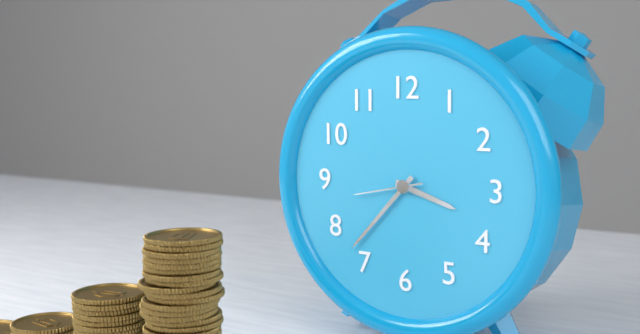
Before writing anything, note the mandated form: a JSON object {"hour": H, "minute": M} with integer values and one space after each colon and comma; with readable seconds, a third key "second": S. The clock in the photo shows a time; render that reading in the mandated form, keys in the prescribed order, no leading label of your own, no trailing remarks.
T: {"hour": 3, "minute": 37, "second": 43}
